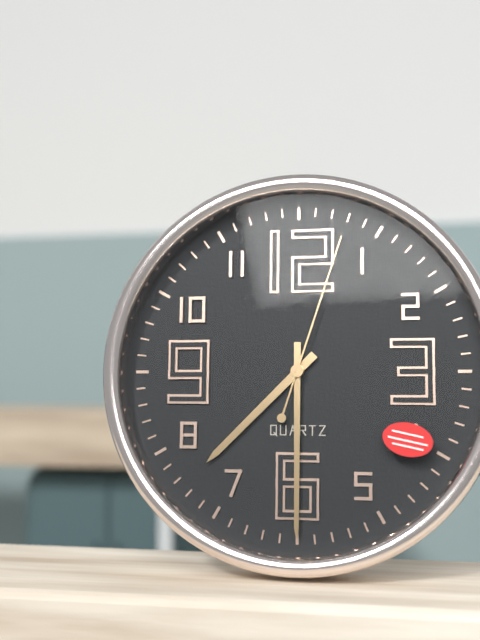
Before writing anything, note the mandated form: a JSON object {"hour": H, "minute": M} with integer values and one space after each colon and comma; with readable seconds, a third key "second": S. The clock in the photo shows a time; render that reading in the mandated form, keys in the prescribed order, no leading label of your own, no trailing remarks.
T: {"hour": 7, "minute": 30, "second": 3}
